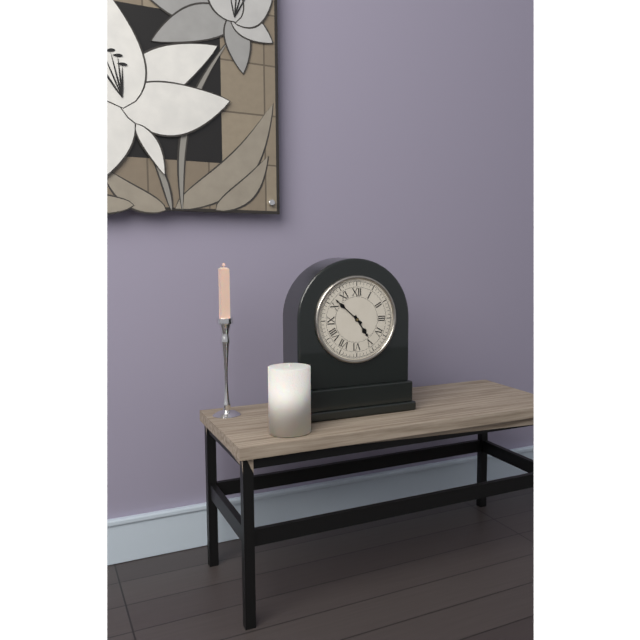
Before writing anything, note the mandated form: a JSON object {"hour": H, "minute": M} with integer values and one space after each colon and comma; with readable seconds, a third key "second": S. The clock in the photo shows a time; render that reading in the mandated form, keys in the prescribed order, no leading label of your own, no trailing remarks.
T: {"hour": 4, "minute": 52}
